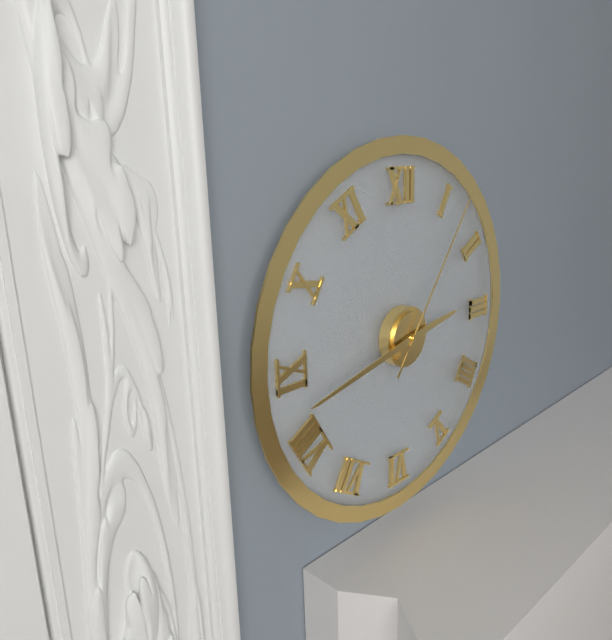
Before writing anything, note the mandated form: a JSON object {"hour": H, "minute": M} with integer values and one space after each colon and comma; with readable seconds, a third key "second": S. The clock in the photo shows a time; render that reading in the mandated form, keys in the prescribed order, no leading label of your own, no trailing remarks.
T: {"hour": 2, "minute": 43, "second": 6}
